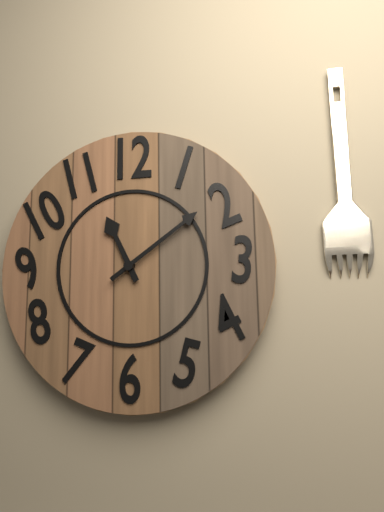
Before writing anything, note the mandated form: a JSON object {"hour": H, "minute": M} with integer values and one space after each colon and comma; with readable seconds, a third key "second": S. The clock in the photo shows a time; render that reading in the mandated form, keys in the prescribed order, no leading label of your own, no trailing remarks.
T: {"hour": 11, "minute": 9}
